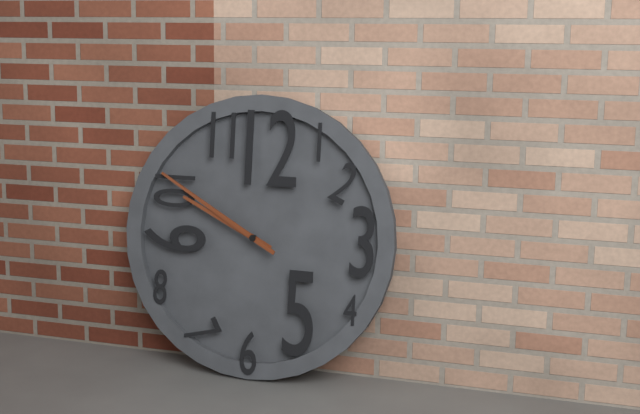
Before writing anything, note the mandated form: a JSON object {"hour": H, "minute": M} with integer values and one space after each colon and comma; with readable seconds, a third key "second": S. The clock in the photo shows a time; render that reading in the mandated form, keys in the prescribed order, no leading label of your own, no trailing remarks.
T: {"hour": 9, "minute": 50}
